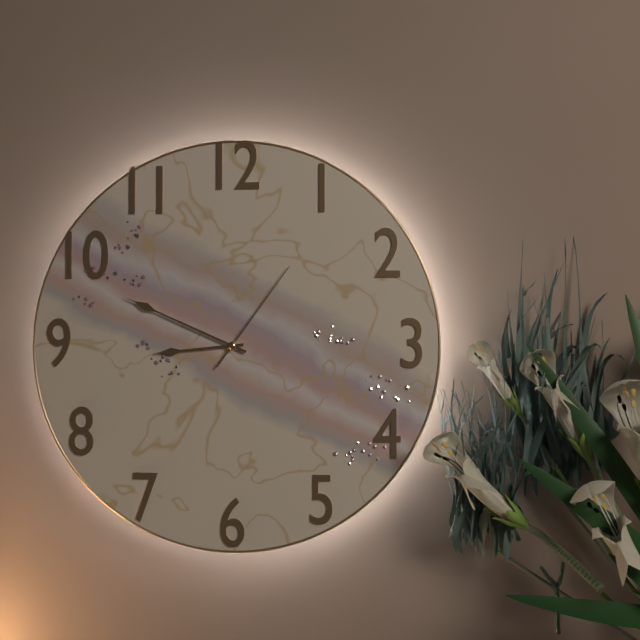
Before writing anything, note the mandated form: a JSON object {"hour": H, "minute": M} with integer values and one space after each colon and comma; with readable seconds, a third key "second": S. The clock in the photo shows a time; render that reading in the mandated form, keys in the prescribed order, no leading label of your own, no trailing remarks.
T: {"hour": 8, "minute": 49, "second": 6}
